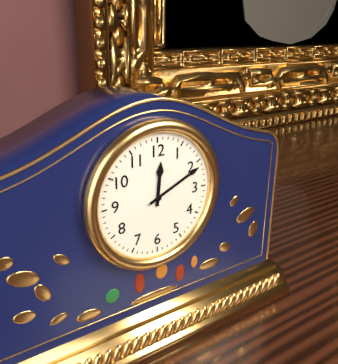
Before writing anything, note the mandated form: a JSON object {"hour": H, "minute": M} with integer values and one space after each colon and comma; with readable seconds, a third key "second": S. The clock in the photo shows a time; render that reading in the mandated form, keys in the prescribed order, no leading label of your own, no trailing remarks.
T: {"hour": 12, "minute": 11}
